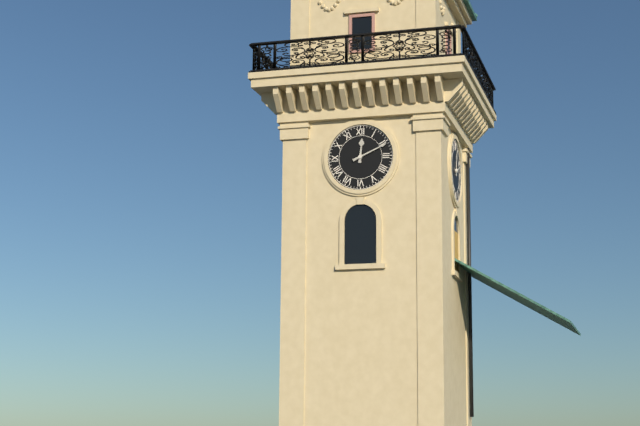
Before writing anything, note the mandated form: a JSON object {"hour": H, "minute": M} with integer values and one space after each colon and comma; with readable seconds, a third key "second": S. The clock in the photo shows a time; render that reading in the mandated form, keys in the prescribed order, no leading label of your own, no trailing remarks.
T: {"hour": 12, "minute": 11}
